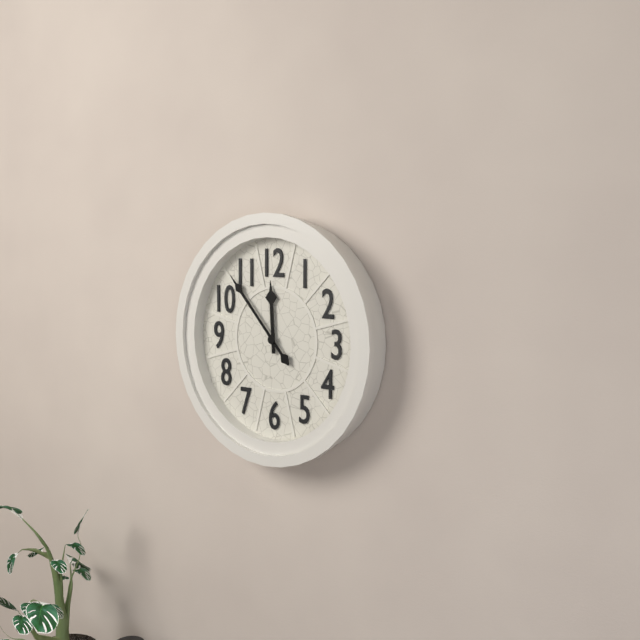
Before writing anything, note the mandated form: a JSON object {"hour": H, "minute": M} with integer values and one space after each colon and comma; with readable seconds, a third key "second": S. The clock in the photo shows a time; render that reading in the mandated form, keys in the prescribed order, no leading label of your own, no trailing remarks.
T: {"hour": 11, "minute": 53}
